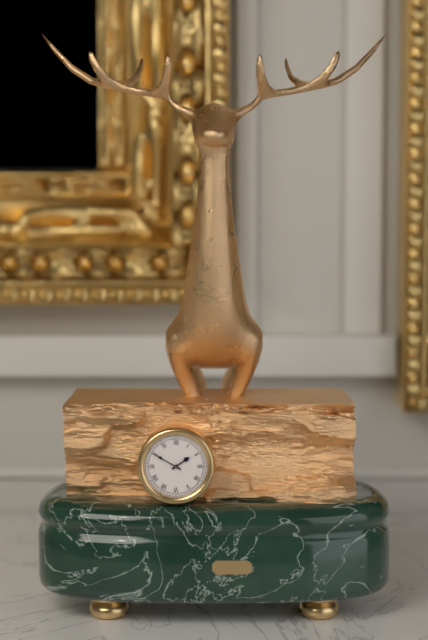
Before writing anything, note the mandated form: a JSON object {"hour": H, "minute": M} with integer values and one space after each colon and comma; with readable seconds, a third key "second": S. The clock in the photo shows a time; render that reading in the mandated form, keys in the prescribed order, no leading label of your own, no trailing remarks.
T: {"hour": 1, "minute": 50}
